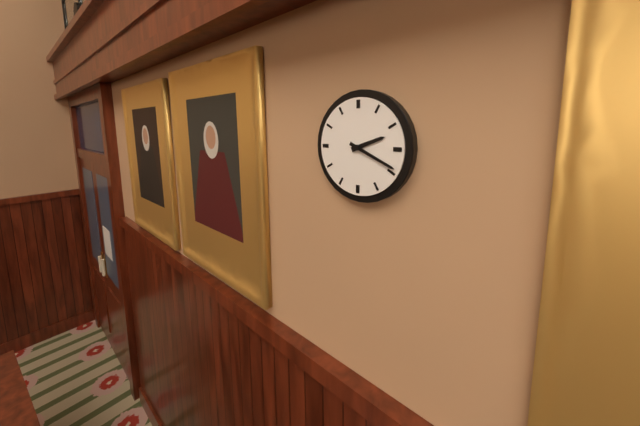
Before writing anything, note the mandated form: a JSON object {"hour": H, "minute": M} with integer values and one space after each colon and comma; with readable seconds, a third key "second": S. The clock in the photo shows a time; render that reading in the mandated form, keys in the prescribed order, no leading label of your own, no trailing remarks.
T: {"hour": 2, "minute": 19}
